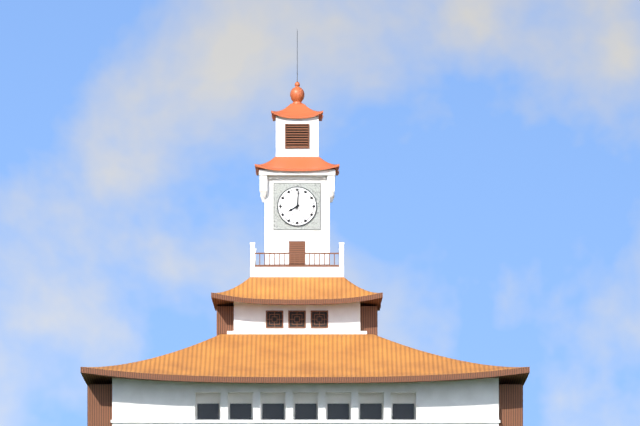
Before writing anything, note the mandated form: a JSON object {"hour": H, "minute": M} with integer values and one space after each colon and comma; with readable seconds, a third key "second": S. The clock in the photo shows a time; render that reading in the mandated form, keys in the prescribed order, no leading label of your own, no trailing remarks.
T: {"hour": 8, "minute": 1}
